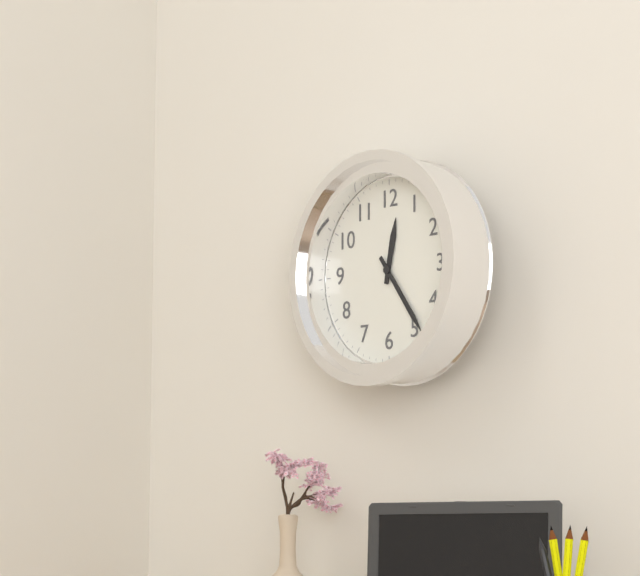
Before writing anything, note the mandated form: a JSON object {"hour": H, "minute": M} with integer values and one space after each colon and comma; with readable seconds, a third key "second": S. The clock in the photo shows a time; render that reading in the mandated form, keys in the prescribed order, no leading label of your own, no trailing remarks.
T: {"hour": 12, "minute": 24}
